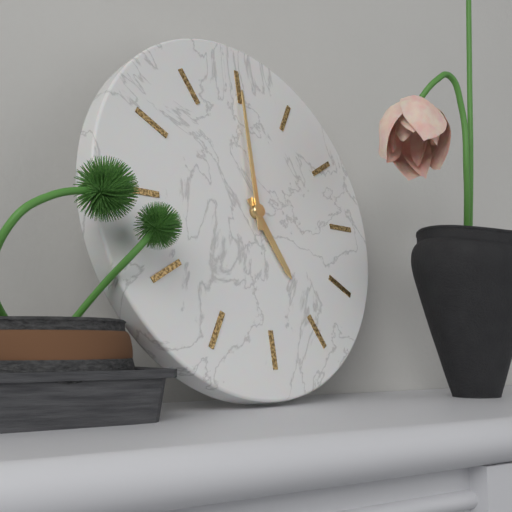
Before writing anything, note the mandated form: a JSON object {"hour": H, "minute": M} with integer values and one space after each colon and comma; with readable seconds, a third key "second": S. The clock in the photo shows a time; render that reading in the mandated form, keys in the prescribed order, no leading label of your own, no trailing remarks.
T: {"hour": 5, "minute": 0}
